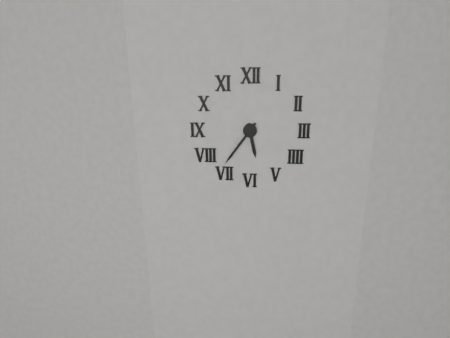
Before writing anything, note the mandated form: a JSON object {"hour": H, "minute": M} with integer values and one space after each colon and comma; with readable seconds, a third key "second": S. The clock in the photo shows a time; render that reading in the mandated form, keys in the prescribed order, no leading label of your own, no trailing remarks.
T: {"hour": 5, "minute": 36}
